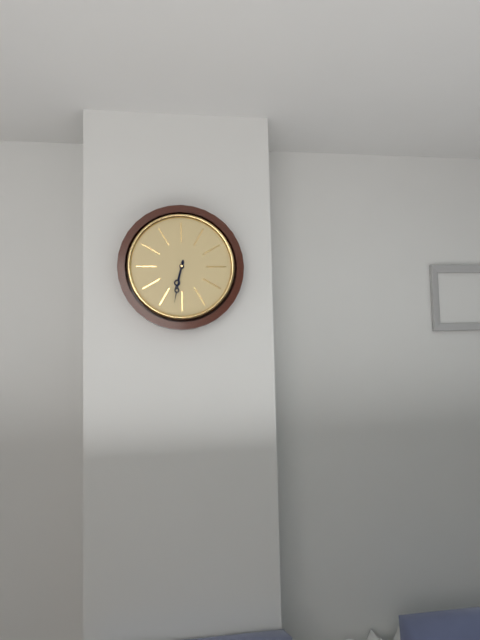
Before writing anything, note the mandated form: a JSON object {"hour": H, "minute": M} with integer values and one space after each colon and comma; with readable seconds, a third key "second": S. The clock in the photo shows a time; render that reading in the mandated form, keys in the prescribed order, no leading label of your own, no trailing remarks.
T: {"hour": 6, "minute": 32}
